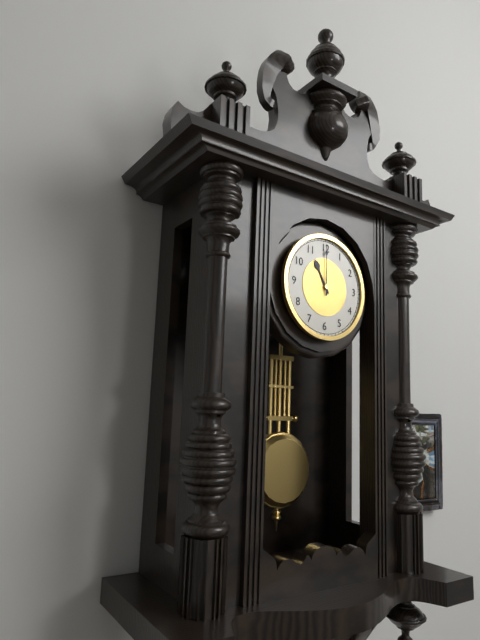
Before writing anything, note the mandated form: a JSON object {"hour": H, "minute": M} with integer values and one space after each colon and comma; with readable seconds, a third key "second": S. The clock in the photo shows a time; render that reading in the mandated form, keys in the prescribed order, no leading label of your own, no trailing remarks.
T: {"hour": 11, "minute": 0}
